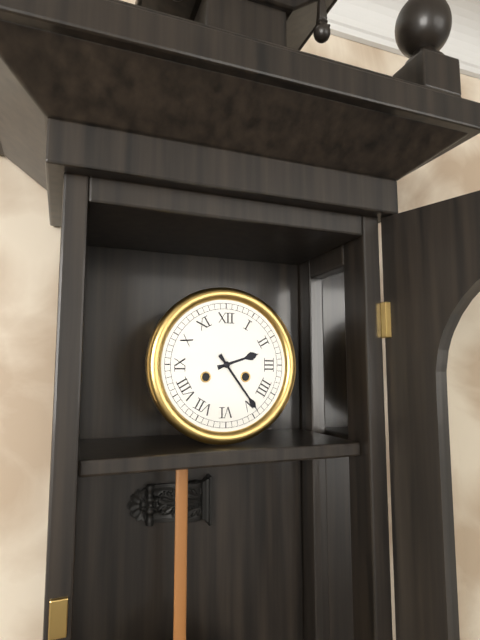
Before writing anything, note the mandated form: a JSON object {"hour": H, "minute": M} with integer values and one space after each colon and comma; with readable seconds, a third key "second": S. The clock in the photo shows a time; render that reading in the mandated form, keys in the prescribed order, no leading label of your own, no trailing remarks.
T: {"hour": 2, "minute": 24}
